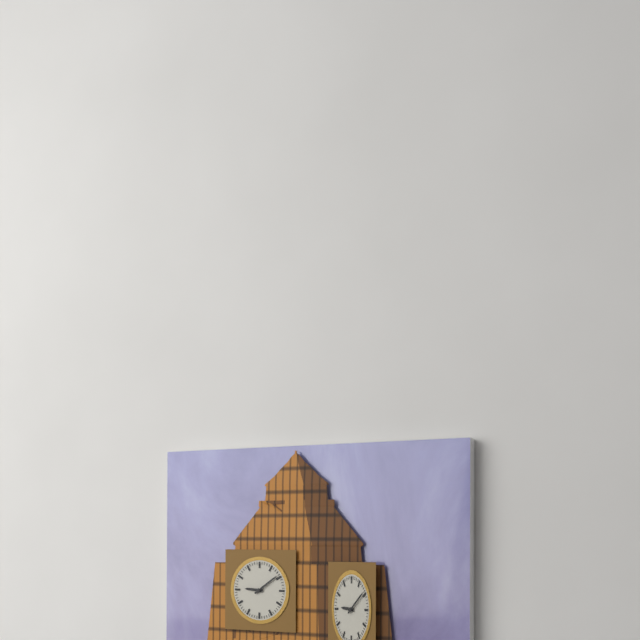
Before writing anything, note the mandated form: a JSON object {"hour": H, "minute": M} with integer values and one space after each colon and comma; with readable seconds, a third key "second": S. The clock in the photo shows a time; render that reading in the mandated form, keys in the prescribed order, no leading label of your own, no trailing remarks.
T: {"hour": 9, "minute": 9}
